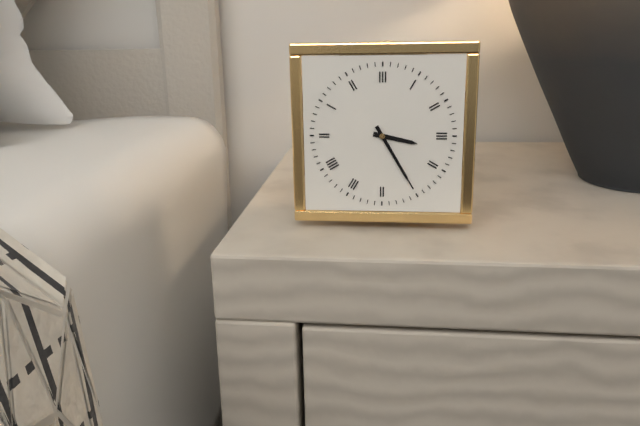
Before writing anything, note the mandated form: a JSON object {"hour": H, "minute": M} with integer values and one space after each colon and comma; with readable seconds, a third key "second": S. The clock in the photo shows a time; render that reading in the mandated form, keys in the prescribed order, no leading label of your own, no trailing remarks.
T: {"hour": 3, "minute": 25}
